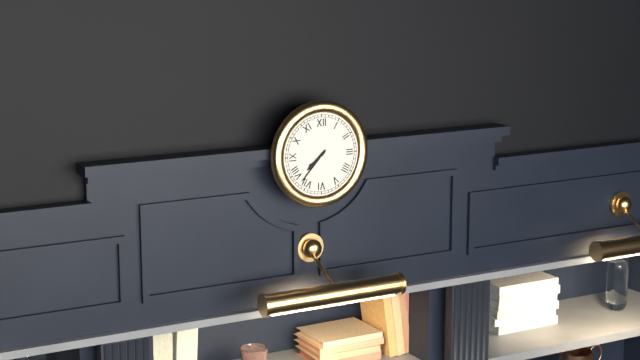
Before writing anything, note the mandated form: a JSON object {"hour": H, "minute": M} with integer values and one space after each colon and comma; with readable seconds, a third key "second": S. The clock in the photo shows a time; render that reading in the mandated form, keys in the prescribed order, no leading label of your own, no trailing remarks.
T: {"hour": 7, "minute": 37}
